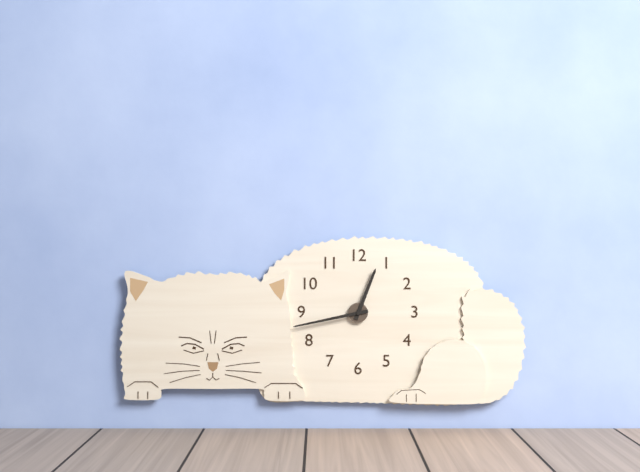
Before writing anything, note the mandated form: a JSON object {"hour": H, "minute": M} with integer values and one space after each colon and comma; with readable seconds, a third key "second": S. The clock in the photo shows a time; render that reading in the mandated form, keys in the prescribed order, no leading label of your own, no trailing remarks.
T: {"hour": 12, "minute": 43}
